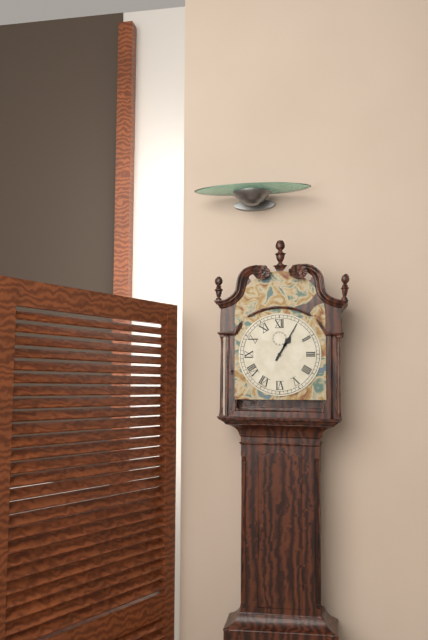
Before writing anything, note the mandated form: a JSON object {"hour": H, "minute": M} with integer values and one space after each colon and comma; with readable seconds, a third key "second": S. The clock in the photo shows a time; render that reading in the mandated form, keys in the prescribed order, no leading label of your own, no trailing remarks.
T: {"hour": 1, "minute": 5}
